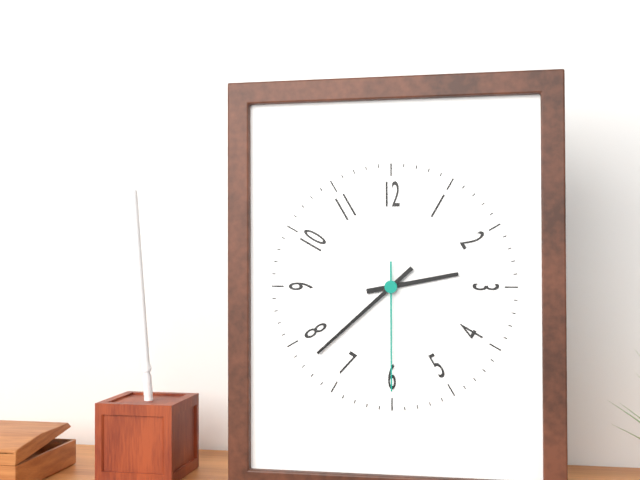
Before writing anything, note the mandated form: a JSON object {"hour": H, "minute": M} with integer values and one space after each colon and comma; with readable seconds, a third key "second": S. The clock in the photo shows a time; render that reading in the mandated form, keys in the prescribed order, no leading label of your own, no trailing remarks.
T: {"hour": 2, "minute": 38, "second": 30}
